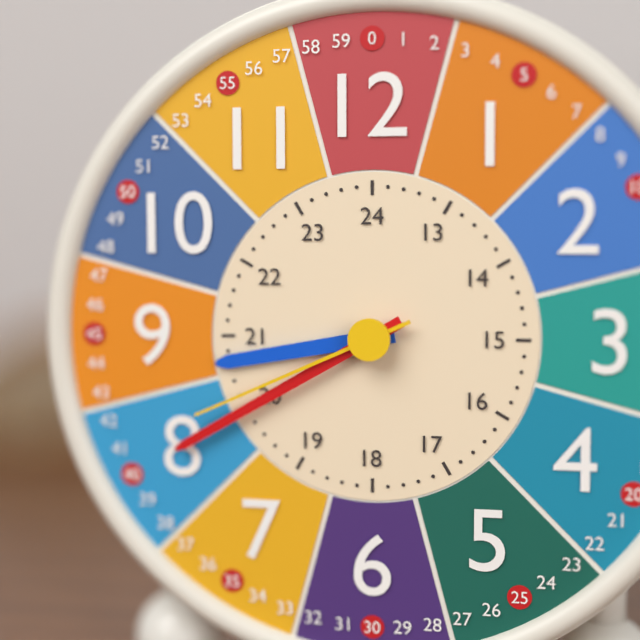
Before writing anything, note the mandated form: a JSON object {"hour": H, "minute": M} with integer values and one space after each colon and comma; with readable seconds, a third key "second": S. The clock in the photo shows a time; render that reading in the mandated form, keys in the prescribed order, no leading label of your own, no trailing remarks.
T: {"hour": 8, "minute": 40, "second": 41}
